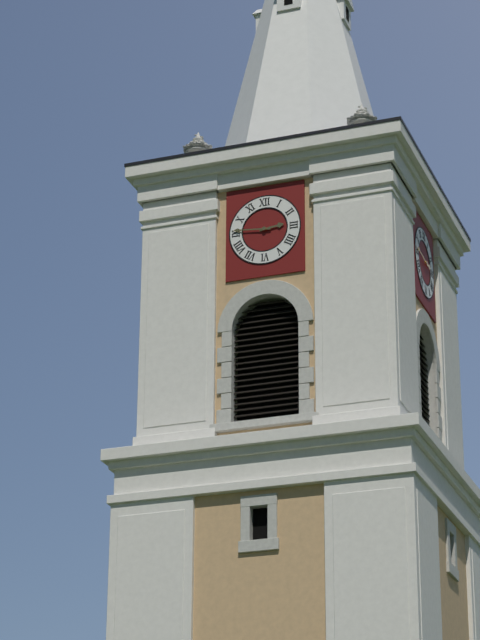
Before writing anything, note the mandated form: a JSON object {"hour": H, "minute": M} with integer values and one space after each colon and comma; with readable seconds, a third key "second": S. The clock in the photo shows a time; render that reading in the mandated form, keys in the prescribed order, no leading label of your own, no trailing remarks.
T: {"hour": 2, "minute": 46}
